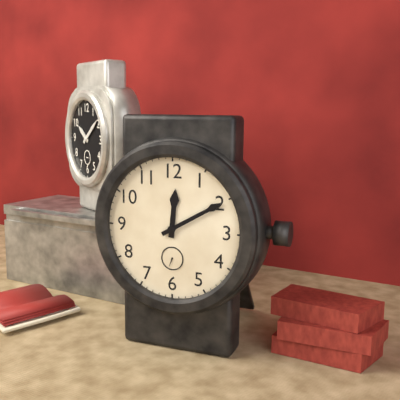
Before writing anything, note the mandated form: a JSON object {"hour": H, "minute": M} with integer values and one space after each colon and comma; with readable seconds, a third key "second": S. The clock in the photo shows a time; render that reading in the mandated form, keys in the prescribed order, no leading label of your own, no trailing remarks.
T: {"hour": 12, "minute": 10}
